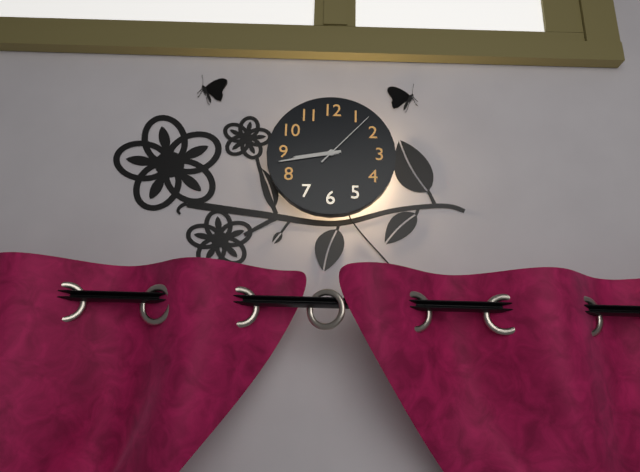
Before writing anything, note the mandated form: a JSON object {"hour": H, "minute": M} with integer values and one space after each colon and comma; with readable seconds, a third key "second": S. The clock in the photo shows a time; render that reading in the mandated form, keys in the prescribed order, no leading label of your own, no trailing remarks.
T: {"hour": 8, "minute": 43, "second": 7}
